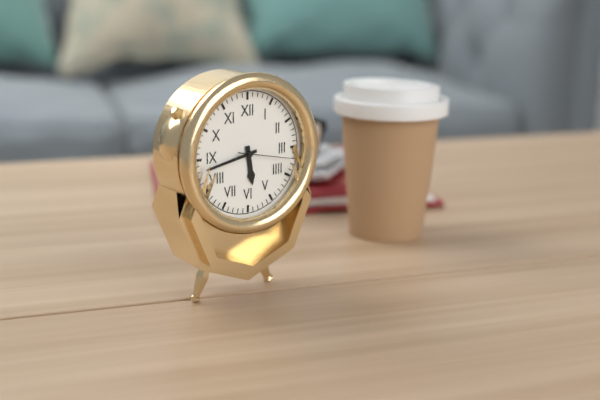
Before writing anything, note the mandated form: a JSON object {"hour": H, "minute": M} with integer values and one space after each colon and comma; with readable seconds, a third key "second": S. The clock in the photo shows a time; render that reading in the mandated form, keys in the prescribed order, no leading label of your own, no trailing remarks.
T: {"hour": 5, "minute": 43, "second": 17}
